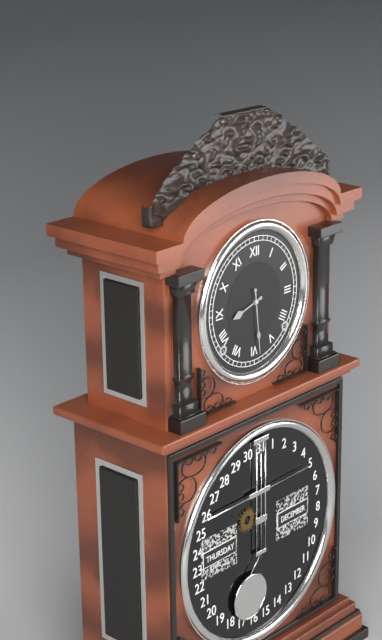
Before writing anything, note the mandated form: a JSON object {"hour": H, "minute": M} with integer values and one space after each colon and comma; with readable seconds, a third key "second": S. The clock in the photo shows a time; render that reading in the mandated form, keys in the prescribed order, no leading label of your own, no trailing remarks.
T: {"hour": 8, "minute": 29}
